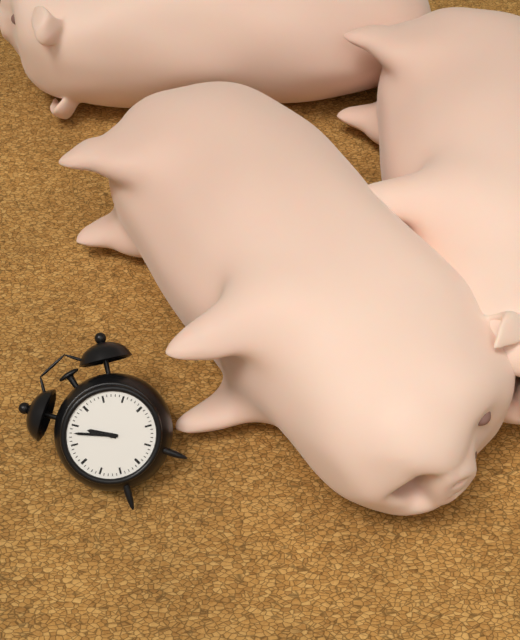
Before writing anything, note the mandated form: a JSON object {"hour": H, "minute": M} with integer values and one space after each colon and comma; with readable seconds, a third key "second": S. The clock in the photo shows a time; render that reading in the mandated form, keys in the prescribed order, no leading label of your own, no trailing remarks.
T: {"hour": 10, "minute": 53}
